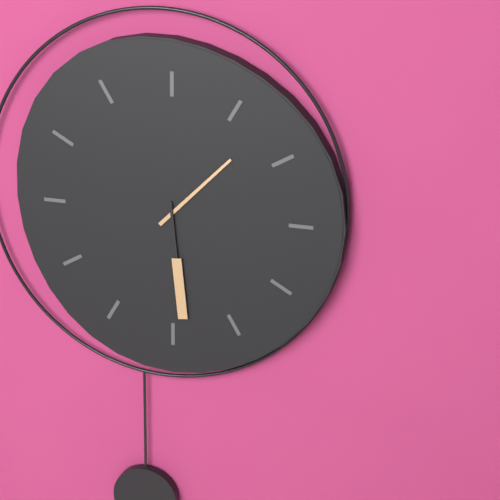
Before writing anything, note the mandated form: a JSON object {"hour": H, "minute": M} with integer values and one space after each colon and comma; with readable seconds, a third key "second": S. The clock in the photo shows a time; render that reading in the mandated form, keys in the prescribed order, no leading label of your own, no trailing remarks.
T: {"hour": 1, "minute": 29}
